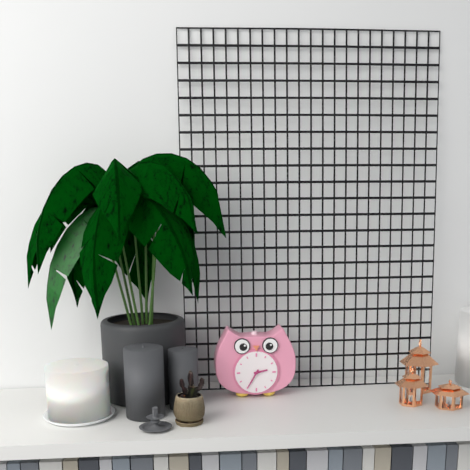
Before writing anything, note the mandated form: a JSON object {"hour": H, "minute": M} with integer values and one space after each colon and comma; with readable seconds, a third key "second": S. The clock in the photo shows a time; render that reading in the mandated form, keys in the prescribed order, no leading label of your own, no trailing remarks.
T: {"hour": 2, "minute": 35}
